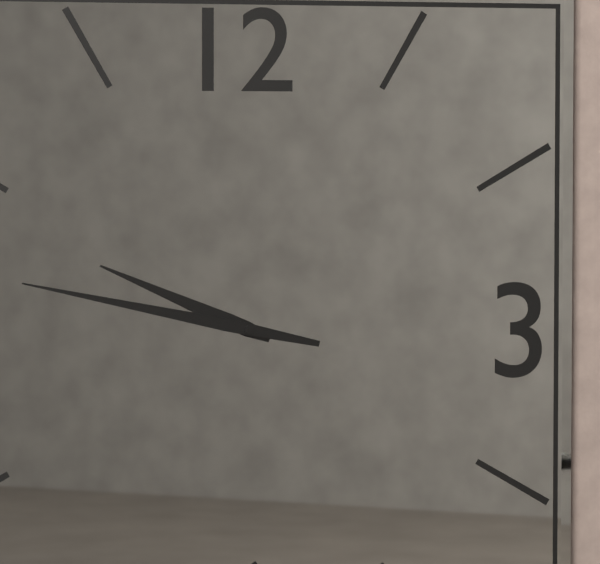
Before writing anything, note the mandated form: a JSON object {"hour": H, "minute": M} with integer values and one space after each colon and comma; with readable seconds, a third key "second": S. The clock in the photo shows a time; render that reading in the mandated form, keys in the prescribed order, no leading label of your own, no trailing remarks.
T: {"hour": 9, "minute": 47}
